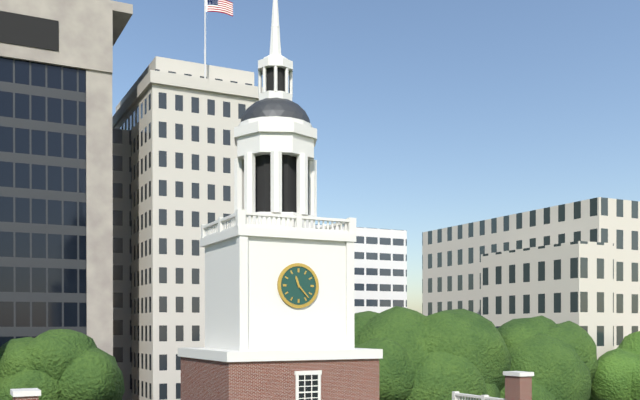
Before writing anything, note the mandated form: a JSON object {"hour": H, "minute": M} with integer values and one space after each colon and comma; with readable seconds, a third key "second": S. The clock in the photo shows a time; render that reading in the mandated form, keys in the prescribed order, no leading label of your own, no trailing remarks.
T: {"hour": 11, "minute": 23}
